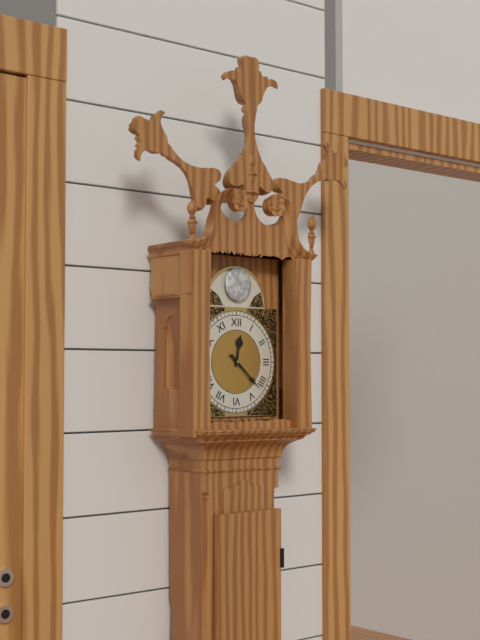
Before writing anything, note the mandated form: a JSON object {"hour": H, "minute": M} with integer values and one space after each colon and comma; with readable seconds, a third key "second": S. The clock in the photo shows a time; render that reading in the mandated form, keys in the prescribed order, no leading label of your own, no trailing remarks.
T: {"hour": 12, "minute": 22}
